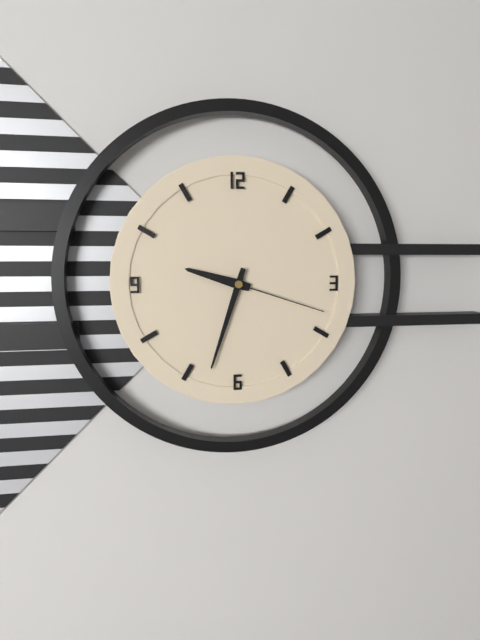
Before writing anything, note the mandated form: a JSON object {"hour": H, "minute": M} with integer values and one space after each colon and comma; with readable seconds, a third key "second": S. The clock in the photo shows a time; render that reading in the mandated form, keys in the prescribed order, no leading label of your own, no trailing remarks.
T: {"hour": 9, "minute": 33, "second": 18}
